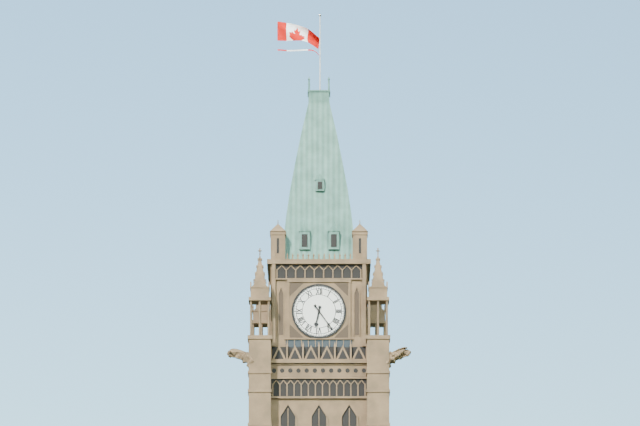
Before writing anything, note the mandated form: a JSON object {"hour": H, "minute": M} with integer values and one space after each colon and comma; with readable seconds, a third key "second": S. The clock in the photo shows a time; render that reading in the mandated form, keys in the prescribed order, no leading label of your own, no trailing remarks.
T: {"hour": 6, "minute": 24}
